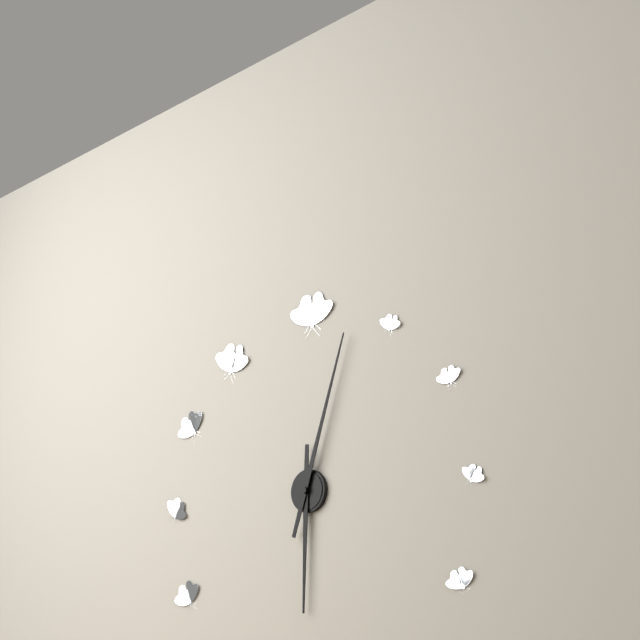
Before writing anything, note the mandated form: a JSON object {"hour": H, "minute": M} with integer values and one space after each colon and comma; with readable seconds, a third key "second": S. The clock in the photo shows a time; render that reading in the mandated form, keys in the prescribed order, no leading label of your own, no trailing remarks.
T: {"hour": 6, "minute": 3}
